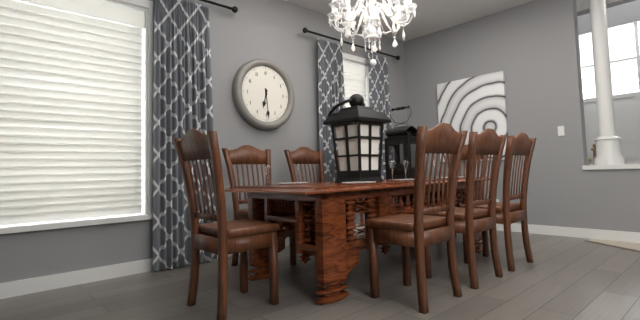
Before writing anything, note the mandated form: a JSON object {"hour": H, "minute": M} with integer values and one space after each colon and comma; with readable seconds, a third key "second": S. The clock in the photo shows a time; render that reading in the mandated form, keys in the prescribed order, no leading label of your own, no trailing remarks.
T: {"hour": 6, "minute": 29}
